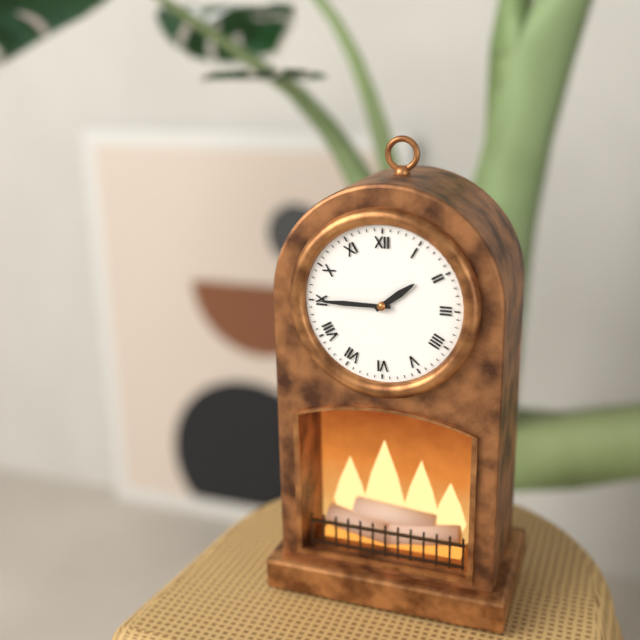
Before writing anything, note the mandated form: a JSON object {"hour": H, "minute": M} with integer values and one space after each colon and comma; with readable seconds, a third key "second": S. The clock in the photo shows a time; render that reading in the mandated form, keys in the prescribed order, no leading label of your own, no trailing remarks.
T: {"hour": 1, "minute": 45}
